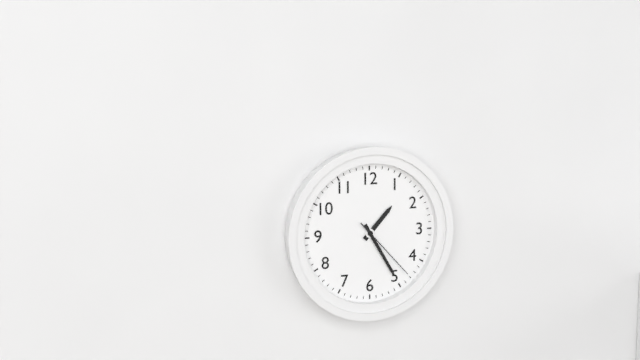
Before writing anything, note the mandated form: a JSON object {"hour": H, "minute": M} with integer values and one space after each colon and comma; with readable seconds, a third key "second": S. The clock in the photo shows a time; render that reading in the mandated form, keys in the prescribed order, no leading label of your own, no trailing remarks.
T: {"hour": 1, "minute": 25, "second": 23}
